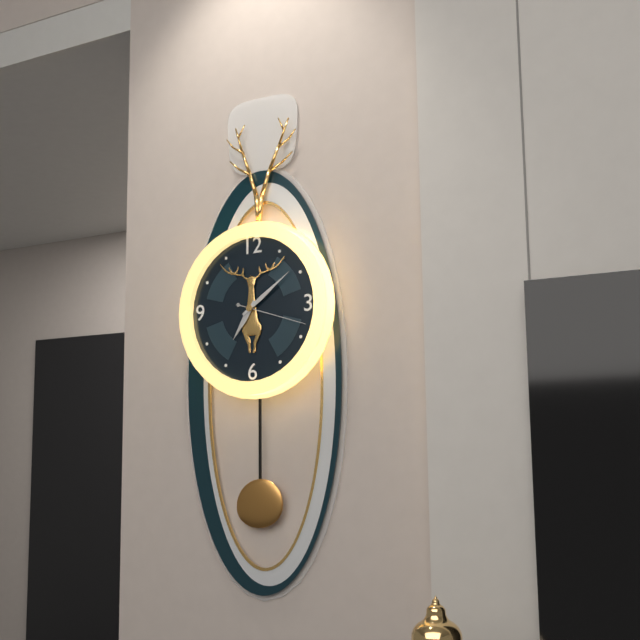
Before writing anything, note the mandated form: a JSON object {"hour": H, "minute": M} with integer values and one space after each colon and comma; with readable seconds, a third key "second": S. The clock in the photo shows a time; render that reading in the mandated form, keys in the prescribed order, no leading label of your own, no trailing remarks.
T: {"hour": 7, "minute": 9, "second": 18}
